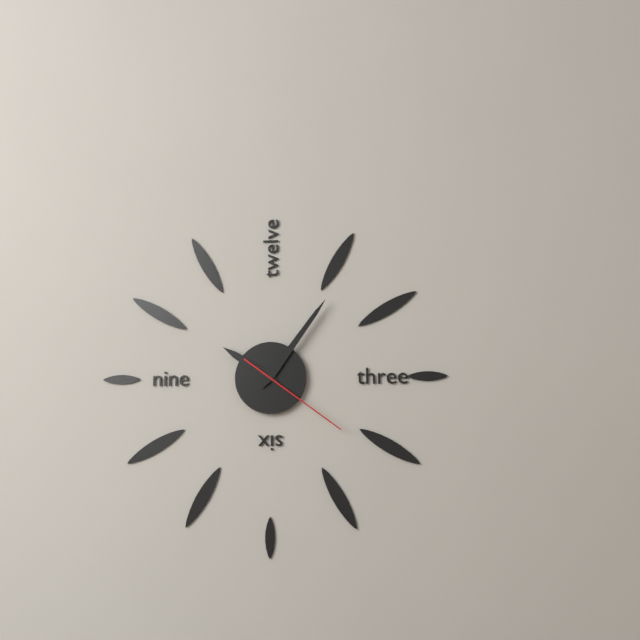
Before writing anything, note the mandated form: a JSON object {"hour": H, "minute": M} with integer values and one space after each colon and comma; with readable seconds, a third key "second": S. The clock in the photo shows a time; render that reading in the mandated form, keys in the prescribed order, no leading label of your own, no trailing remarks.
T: {"hour": 10, "minute": 6, "second": 21}
